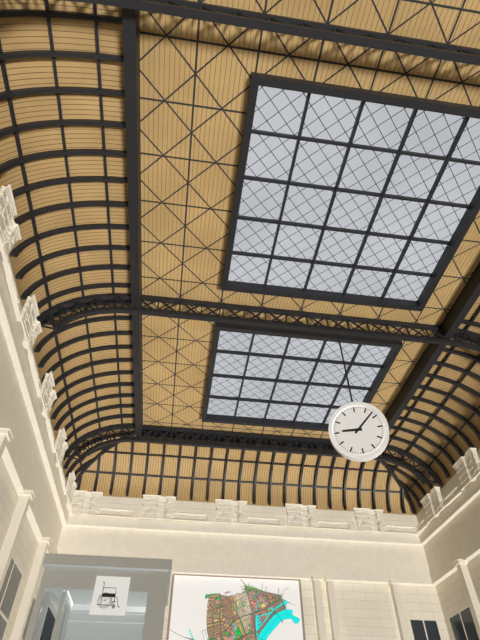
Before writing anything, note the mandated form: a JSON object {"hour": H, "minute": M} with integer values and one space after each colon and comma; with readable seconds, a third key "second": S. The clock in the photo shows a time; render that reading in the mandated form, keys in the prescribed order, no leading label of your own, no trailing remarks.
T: {"hour": 9, "minute": 8}
